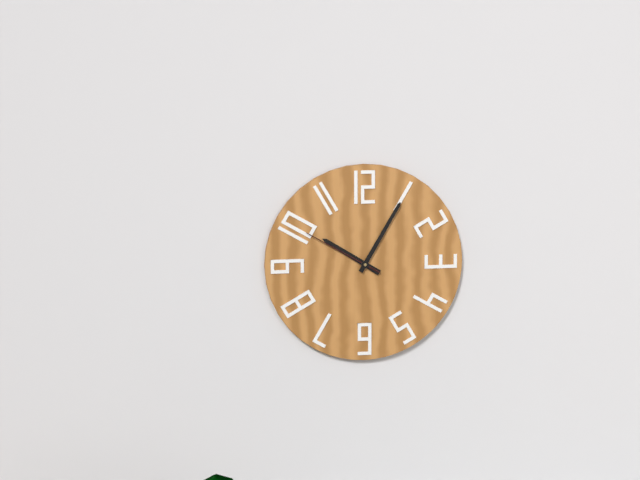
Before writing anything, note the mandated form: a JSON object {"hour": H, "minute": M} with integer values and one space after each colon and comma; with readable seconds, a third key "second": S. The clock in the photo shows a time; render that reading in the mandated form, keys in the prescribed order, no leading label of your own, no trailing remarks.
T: {"hour": 10, "minute": 5, "second": 50}
